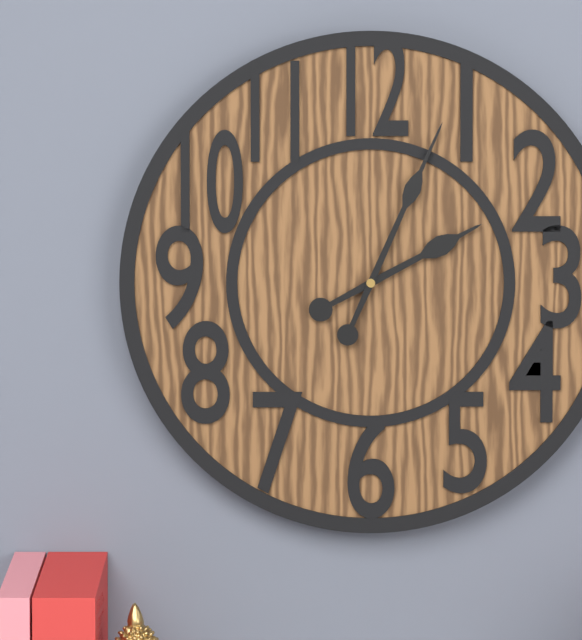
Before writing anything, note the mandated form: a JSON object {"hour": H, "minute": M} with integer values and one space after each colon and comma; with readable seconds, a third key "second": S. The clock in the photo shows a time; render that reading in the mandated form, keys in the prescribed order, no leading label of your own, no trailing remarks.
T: {"hour": 2, "minute": 4}
